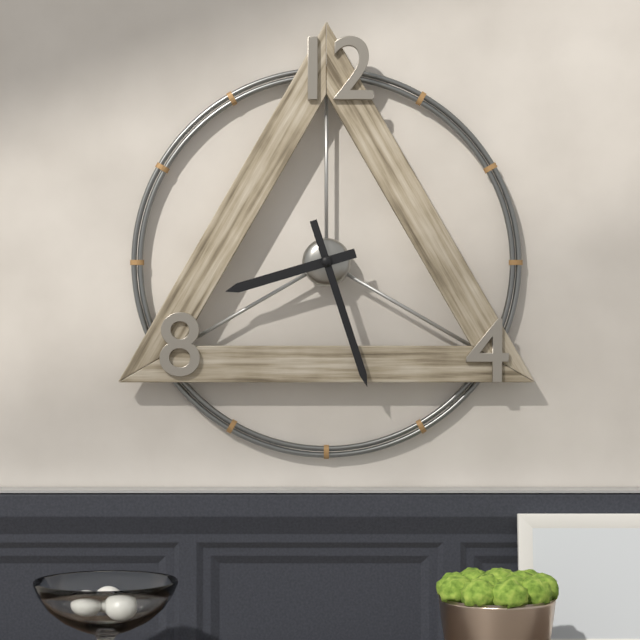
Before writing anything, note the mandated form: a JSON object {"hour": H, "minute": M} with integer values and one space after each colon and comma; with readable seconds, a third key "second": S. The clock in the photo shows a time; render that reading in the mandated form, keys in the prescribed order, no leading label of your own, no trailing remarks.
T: {"hour": 8, "minute": 27}
